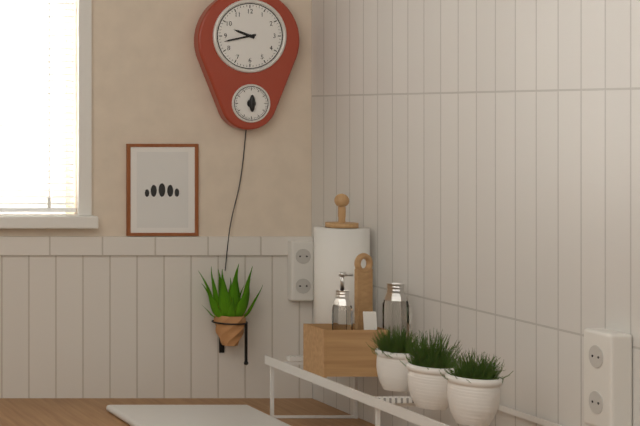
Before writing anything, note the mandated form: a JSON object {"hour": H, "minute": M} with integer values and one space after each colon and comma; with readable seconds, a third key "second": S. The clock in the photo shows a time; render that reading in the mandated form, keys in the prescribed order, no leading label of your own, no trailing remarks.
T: {"hour": 9, "minute": 43}
